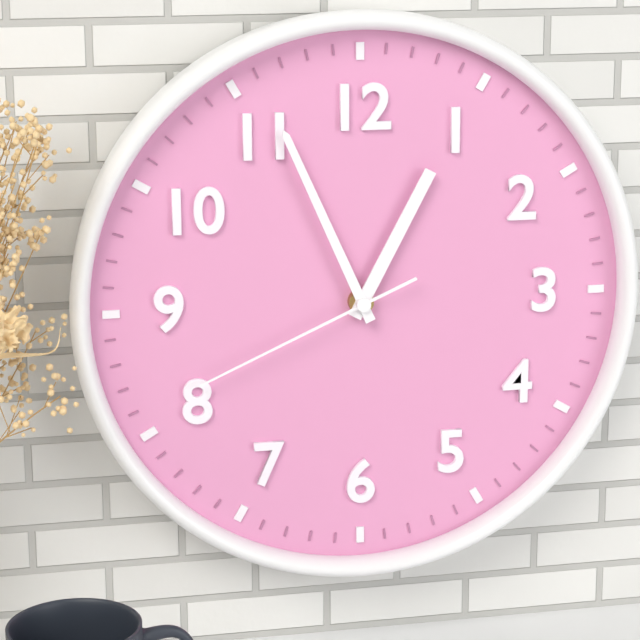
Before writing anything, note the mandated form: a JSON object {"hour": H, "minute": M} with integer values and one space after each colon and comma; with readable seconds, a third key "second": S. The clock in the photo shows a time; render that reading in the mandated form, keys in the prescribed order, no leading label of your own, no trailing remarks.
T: {"hour": 12, "minute": 56, "second": 41}
